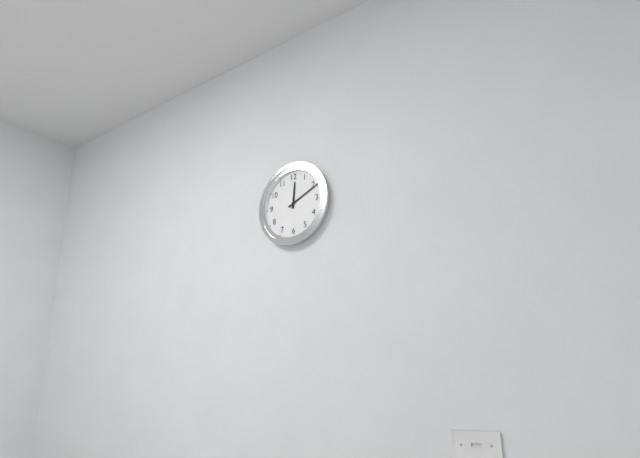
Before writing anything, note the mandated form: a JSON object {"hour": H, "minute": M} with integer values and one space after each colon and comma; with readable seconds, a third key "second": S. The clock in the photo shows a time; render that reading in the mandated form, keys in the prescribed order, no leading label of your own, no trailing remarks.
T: {"hour": 12, "minute": 11}
